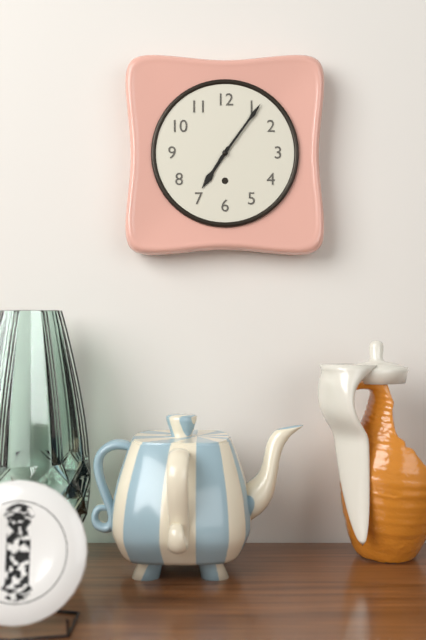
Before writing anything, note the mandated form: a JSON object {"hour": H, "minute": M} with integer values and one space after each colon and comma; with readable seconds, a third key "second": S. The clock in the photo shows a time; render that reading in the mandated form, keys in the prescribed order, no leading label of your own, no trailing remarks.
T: {"hour": 7, "minute": 6}
